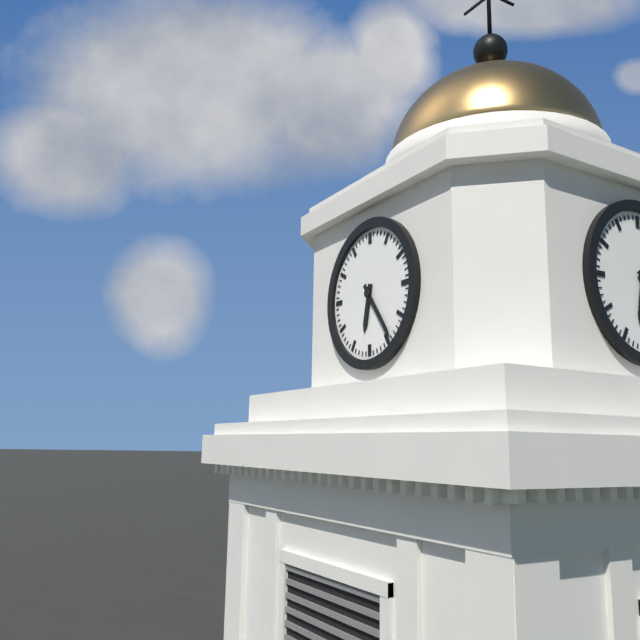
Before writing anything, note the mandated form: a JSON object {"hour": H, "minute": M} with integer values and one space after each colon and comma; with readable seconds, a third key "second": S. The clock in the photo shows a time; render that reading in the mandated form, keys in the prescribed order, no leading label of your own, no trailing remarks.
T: {"hour": 6, "minute": 24}
